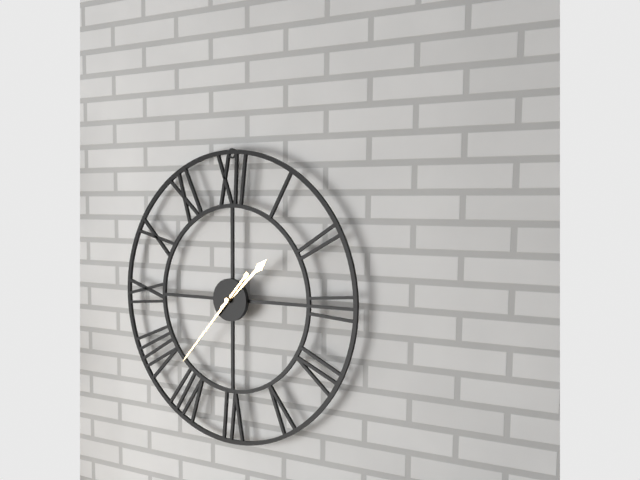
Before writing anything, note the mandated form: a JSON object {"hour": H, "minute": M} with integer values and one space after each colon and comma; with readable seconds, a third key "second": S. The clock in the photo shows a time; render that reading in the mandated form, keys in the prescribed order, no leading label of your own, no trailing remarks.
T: {"hour": 1, "minute": 37}
